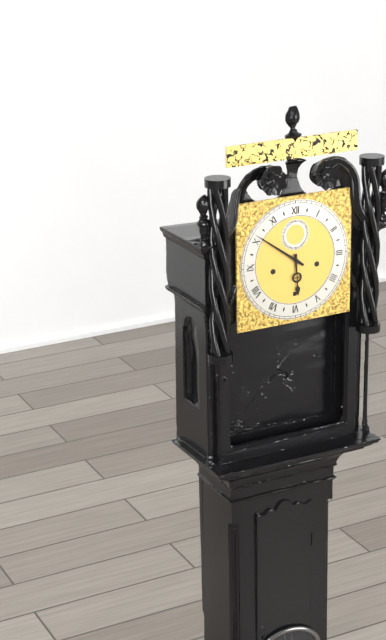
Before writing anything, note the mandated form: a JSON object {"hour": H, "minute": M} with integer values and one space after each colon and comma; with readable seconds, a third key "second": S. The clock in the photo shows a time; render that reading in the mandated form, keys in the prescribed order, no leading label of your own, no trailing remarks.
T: {"hour": 5, "minute": 51}
